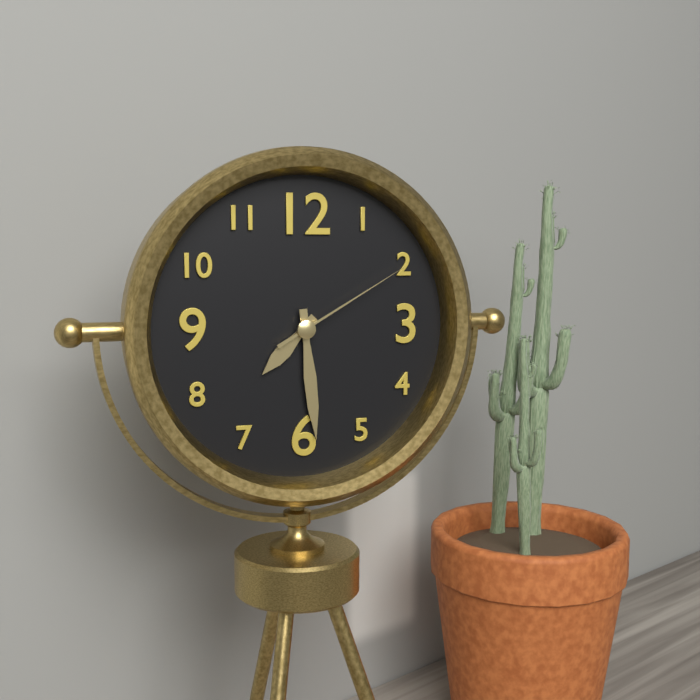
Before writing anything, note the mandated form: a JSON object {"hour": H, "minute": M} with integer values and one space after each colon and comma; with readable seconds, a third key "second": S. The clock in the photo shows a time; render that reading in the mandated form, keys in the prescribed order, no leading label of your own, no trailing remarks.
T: {"hour": 7, "minute": 29, "second": 10}
